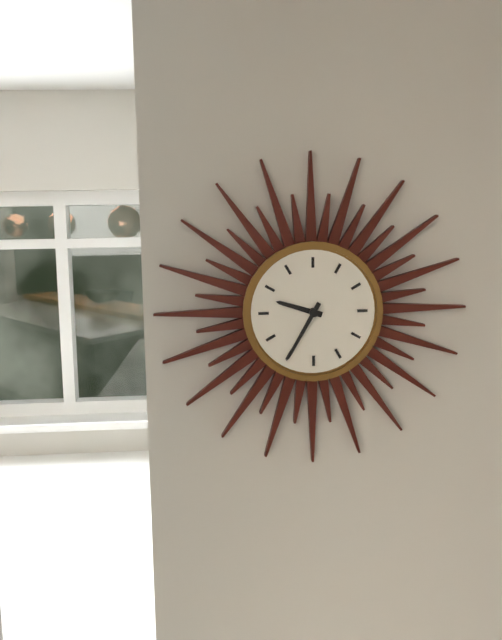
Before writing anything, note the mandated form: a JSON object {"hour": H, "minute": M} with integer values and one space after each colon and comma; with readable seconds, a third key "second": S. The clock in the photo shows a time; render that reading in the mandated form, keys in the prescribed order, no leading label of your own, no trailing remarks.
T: {"hour": 9, "minute": 35}
